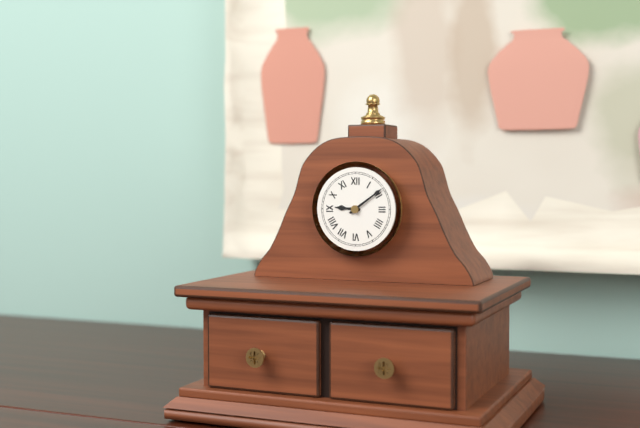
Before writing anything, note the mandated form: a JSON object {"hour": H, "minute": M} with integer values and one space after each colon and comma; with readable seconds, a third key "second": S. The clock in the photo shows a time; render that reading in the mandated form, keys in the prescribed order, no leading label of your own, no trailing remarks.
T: {"hour": 9, "minute": 9}
